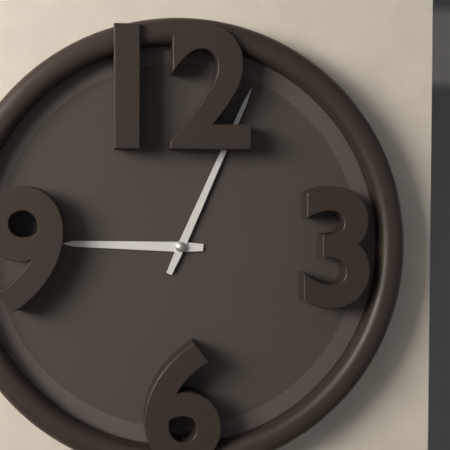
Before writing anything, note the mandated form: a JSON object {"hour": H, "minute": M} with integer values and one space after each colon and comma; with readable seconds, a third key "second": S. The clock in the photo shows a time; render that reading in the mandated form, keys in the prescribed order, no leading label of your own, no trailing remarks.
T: {"hour": 9, "minute": 4}
